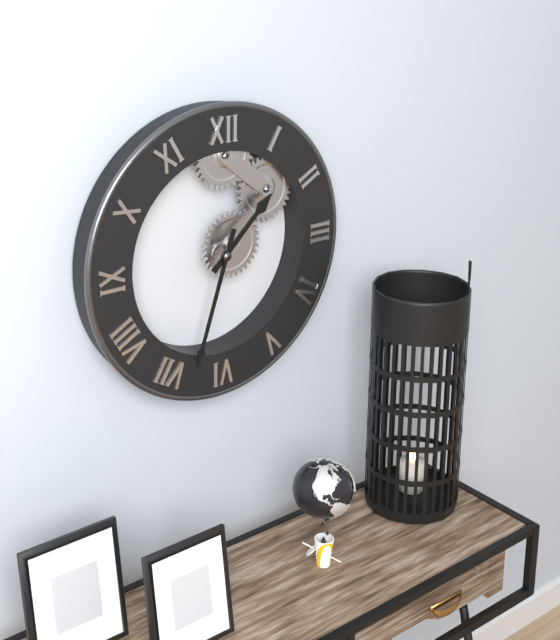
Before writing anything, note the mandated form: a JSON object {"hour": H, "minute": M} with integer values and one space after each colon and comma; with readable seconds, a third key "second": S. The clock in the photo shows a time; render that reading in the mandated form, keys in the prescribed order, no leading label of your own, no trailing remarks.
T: {"hour": 1, "minute": 33}
